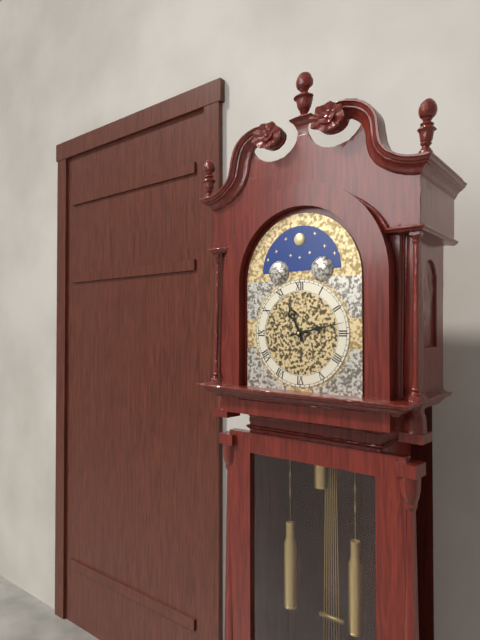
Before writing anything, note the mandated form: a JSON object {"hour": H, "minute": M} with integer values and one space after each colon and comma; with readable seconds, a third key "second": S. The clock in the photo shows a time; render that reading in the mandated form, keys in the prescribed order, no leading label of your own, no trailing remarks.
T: {"hour": 11, "minute": 13}
